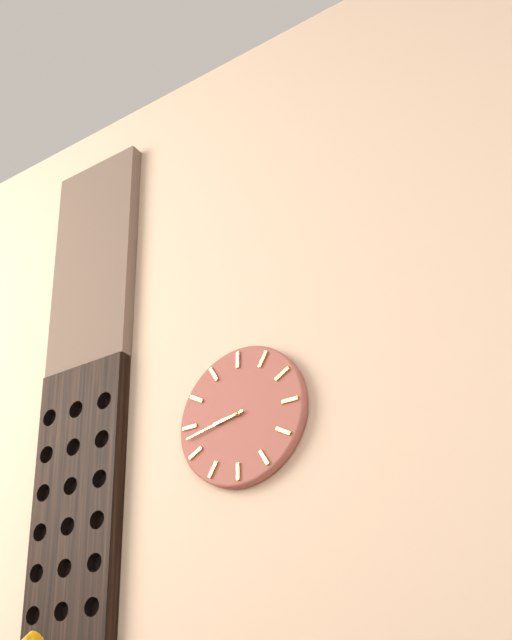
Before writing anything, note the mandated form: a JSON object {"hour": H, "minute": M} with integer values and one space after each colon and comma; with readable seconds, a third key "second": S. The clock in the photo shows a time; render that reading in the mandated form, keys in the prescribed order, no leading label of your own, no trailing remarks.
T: {"hour": 8, "minute": 43}
